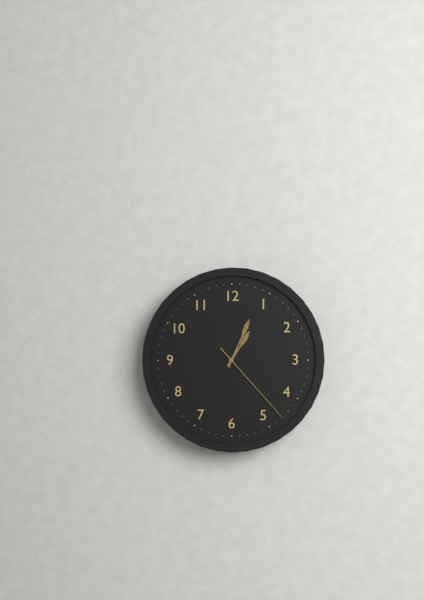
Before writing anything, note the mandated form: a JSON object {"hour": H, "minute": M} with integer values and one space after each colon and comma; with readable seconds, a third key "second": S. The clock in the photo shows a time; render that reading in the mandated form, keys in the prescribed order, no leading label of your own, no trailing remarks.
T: {"hour": 1, "minute": 4, "second": 23}
